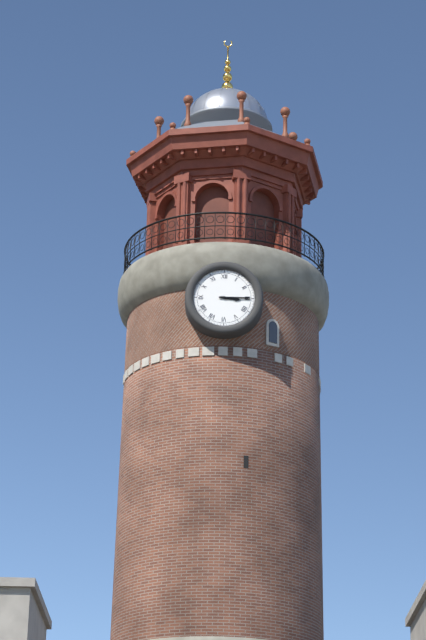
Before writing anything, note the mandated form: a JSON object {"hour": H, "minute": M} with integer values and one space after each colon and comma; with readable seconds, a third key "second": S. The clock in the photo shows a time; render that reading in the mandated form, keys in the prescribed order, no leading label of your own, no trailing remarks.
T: {"hour": 3, "minute": 15}
